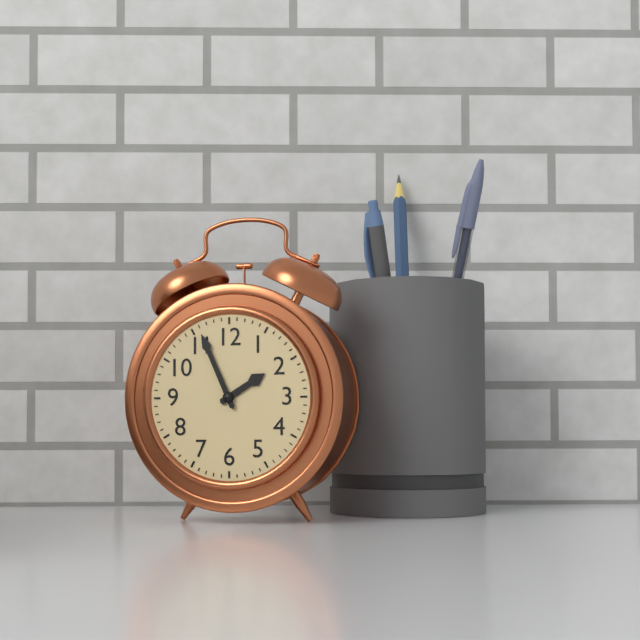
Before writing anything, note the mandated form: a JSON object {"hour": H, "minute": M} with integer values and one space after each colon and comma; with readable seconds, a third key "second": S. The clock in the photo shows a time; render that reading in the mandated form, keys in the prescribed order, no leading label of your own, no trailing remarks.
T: {"hour": 1, "minute": 56}
